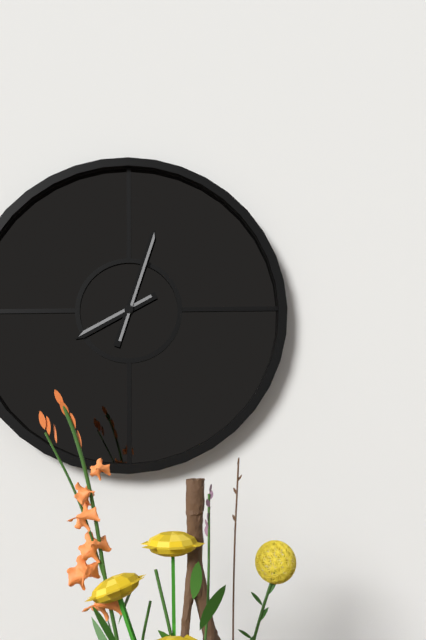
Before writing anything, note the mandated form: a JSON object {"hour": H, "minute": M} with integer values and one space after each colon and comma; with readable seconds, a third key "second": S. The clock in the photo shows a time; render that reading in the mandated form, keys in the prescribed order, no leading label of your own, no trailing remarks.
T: {"hour": 8, "minute": 3}
